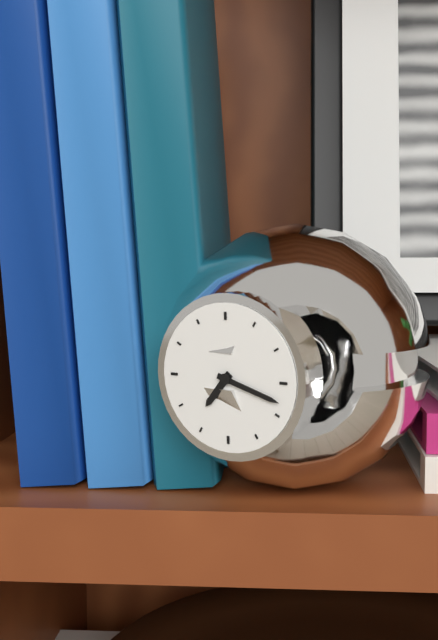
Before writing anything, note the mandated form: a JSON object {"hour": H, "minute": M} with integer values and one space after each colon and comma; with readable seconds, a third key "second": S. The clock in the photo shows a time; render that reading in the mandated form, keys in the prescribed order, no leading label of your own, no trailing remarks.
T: {"hour": 7, "minute": 18}
